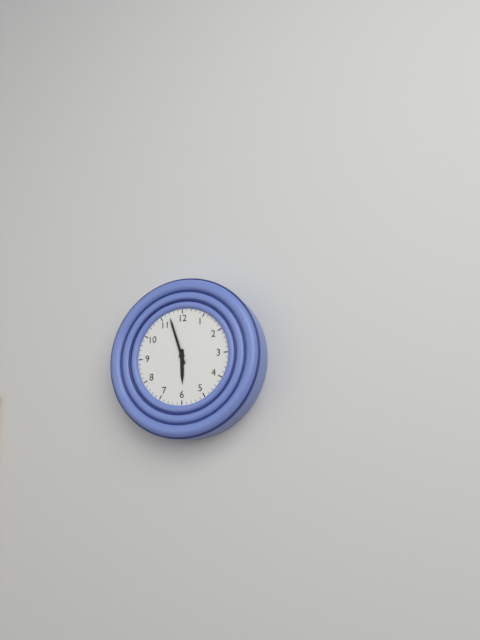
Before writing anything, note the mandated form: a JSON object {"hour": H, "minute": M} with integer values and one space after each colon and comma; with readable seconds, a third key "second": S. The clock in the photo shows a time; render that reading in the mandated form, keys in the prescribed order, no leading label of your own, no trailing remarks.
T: {"hour": 5, "minute": 57}
